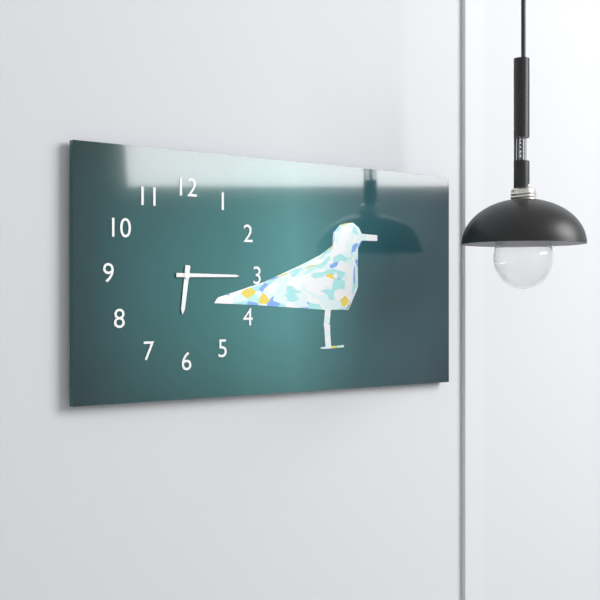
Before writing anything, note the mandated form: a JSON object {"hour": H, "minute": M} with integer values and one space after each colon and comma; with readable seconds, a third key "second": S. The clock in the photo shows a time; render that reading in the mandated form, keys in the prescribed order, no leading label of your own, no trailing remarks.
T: {"hour": 6, "minute": 15}
